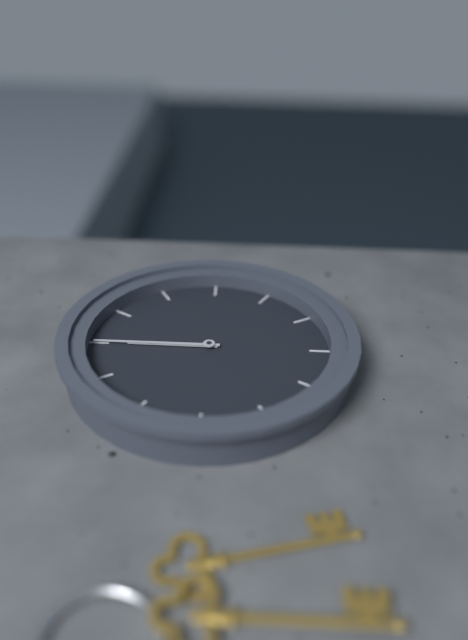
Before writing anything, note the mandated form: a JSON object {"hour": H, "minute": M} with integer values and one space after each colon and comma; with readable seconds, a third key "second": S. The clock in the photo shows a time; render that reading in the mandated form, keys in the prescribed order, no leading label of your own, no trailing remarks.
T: {"hour": 12, "minute": 0}
